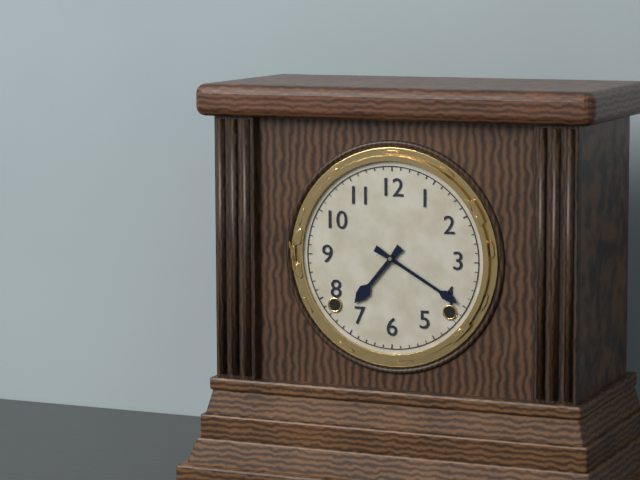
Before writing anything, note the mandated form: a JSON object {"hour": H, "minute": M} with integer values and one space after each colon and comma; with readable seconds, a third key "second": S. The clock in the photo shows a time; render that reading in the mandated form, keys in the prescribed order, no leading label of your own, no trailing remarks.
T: {"hour": 7, "minute": 20}
